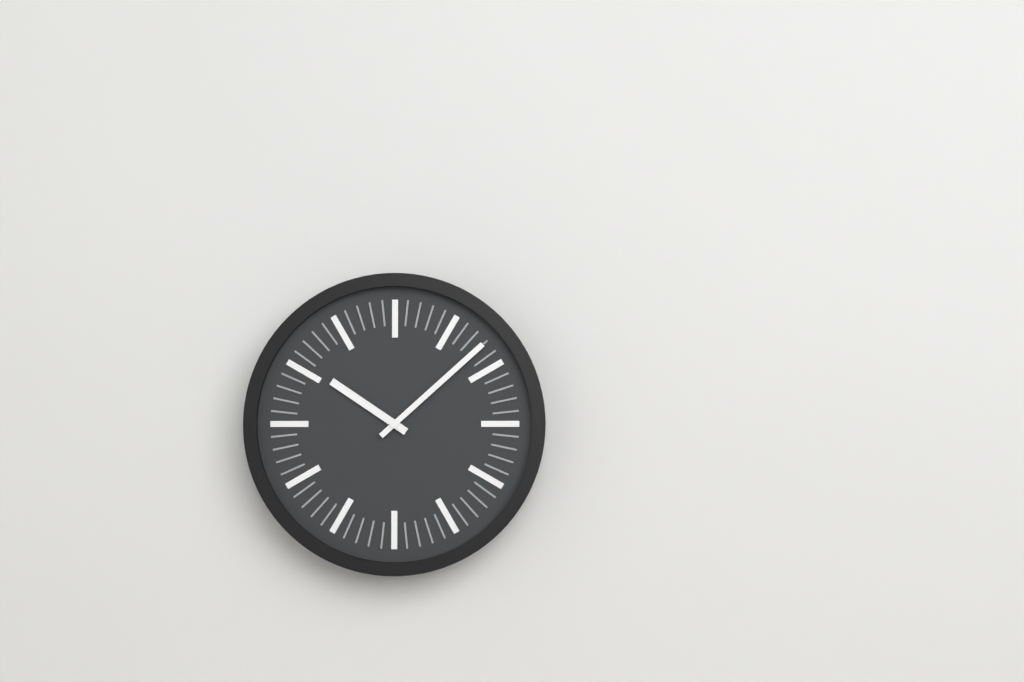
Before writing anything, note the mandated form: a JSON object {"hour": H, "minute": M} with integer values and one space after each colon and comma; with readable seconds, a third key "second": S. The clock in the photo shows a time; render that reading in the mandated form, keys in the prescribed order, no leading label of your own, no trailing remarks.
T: {"hour": 10, "minute": 8}
